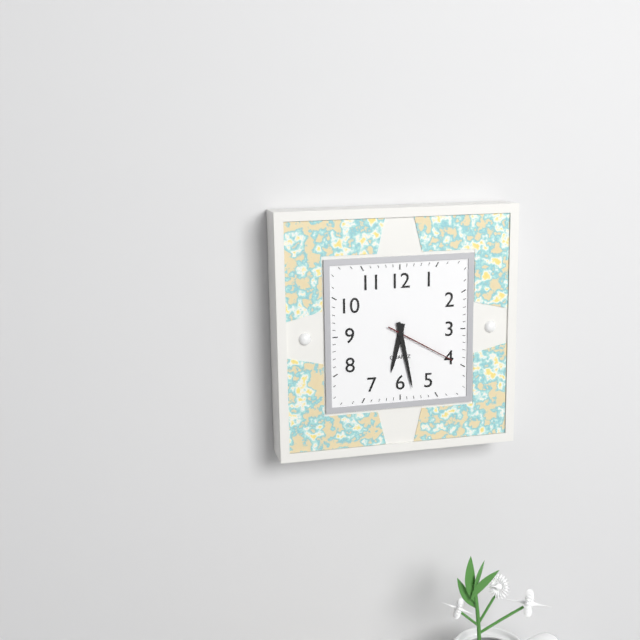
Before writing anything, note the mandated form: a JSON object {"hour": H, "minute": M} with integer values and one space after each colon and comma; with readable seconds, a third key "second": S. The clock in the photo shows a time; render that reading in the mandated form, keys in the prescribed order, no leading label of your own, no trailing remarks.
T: {"hour": 6, "minute": 28, "second": 20}
